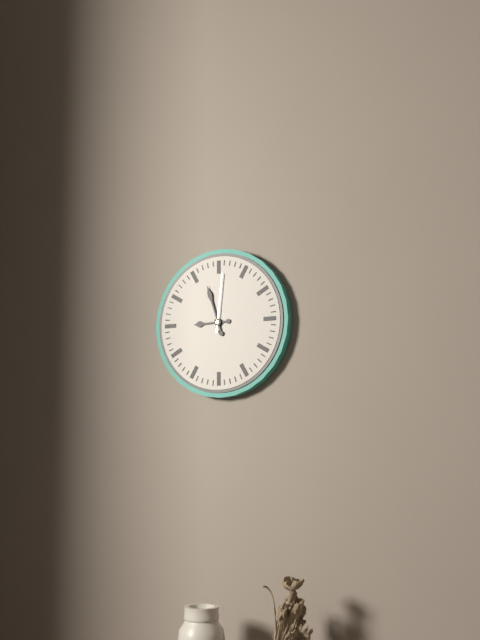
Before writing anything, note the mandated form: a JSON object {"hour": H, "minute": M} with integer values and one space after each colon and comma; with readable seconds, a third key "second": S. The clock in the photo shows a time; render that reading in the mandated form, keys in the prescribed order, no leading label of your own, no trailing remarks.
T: {"hour": 8, "minute": 57, "second": 1}
